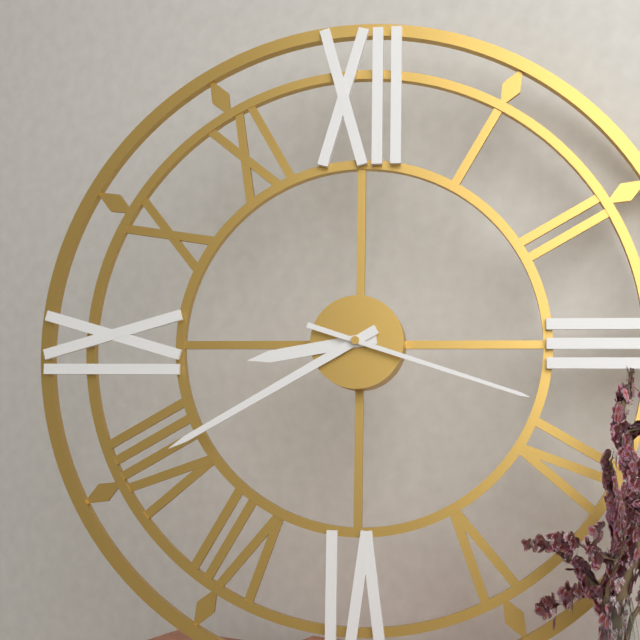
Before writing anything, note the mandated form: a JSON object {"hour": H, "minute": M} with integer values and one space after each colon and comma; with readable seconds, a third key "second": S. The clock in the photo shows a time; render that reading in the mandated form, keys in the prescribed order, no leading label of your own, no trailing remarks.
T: {"hour": 8, "minute": 40, "second": 18}
